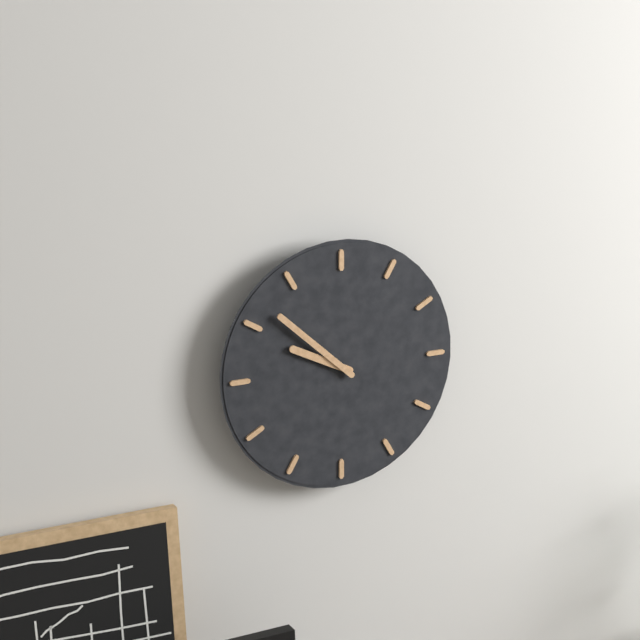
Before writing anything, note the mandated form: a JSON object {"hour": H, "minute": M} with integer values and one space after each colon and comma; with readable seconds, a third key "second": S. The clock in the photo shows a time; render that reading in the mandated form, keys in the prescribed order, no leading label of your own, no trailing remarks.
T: {"hour": 9, "minute": 52}
